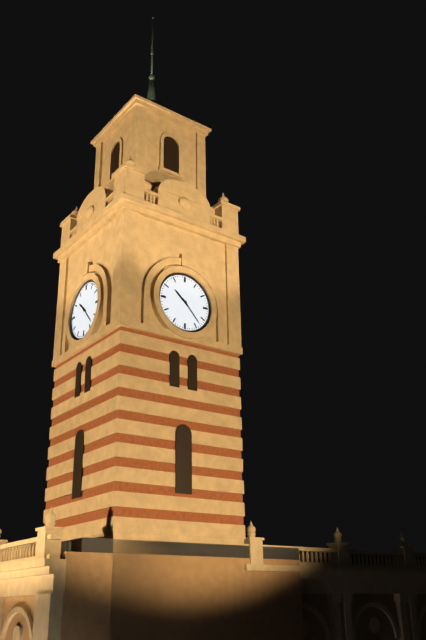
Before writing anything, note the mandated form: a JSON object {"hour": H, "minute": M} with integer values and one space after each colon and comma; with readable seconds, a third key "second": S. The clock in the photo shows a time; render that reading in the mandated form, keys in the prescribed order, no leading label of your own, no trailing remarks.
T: {"hour": 10, "minute": 23}
